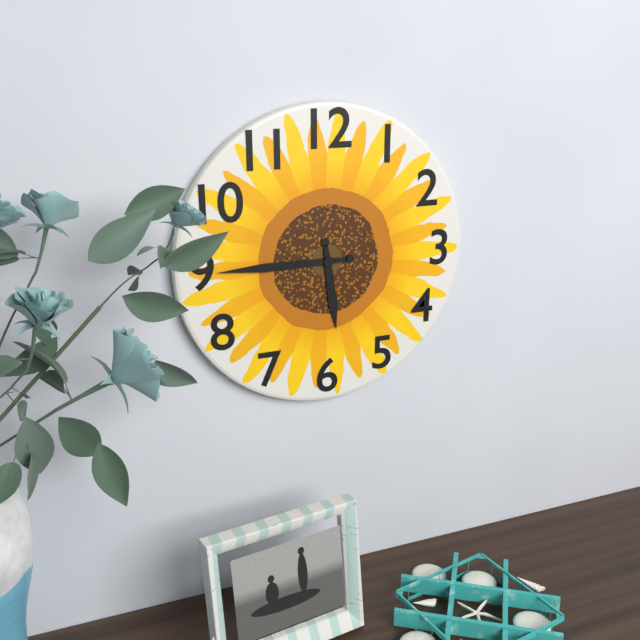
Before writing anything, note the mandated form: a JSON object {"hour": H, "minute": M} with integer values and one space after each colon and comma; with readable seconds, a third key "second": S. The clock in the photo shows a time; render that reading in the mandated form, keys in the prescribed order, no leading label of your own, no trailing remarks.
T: {"hour": 5, "minute": 45}
